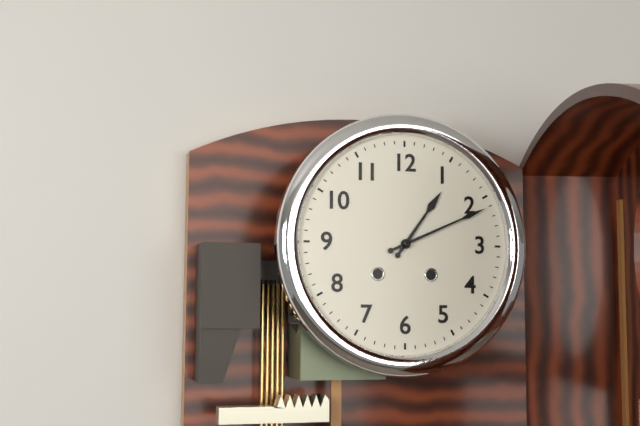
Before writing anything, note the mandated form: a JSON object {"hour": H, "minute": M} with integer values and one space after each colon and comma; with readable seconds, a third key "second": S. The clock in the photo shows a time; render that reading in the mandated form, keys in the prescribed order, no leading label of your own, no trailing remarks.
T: {"hour": 1, "minute": 11}
